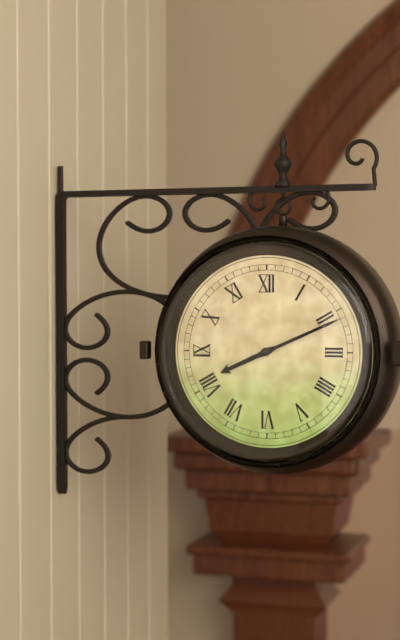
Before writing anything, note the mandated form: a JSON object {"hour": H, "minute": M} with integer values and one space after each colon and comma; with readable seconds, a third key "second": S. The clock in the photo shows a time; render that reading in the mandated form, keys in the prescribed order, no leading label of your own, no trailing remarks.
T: {"hour": 8, "minute": 11}
